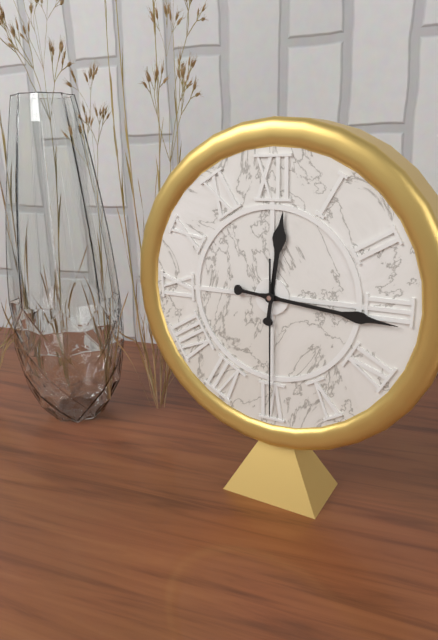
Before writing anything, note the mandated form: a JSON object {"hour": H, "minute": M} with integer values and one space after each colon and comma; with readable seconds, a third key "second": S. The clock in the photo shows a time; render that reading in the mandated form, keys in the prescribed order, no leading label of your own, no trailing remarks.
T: {"hour": 12, "minute": 16, "second": 30}
